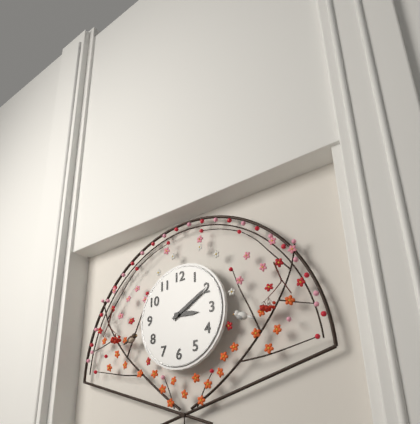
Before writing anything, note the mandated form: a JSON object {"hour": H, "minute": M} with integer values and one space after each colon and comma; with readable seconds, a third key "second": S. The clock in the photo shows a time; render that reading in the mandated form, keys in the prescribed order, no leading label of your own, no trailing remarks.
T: {"hour": 3, "minute": 10}
